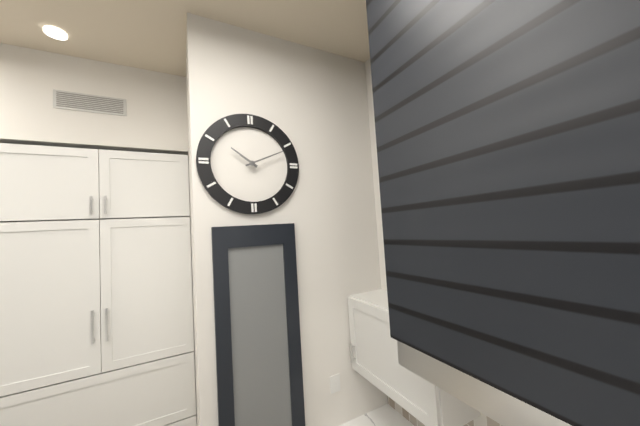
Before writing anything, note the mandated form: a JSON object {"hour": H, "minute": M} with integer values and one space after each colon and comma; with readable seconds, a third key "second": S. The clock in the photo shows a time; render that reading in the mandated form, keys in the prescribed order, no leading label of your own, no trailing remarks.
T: {"hour": 10, "minute": 11}
